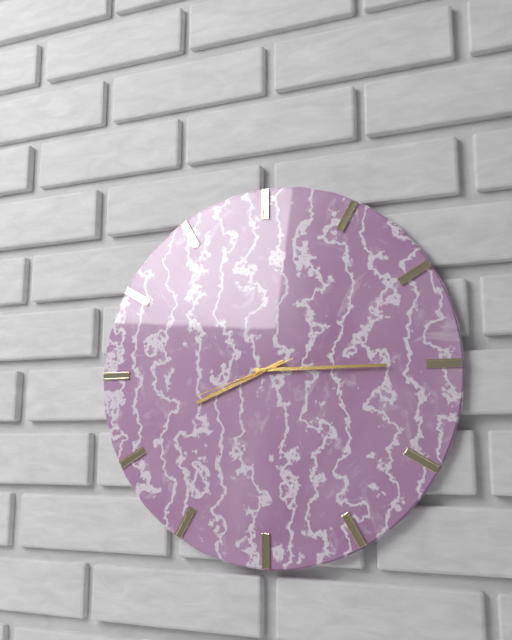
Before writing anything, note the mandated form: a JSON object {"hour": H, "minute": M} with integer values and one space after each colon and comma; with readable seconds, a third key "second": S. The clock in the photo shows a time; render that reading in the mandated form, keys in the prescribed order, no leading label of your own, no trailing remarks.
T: {"hour": 8, "minute": 15, "second": 42}
